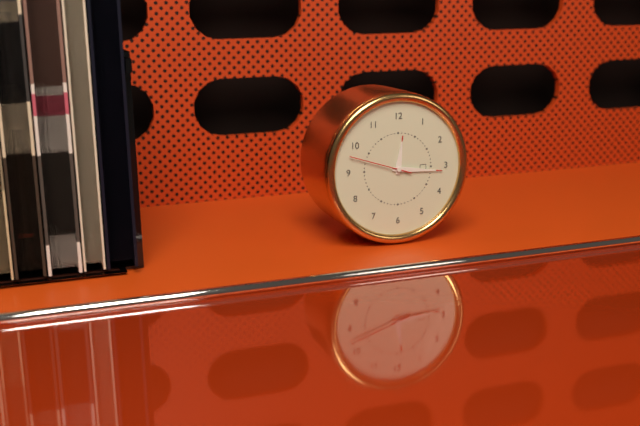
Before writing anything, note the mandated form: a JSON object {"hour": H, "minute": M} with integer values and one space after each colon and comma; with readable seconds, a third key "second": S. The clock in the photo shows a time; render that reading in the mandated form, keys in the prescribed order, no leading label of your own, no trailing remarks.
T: {"hour": 12, "minute": 16, "second": 48}
